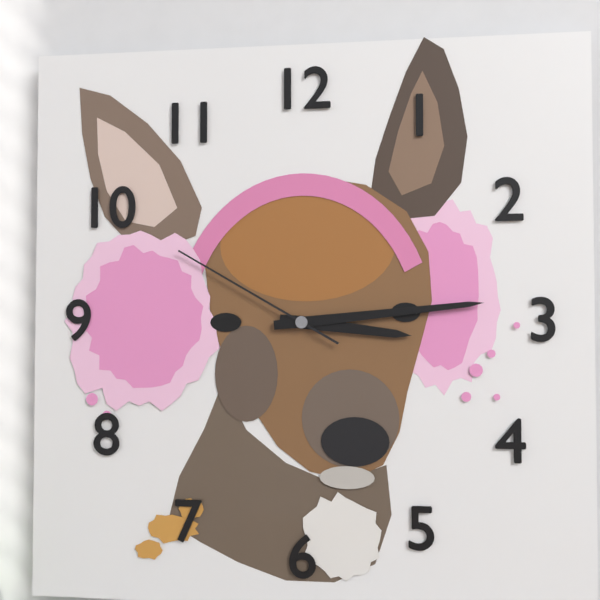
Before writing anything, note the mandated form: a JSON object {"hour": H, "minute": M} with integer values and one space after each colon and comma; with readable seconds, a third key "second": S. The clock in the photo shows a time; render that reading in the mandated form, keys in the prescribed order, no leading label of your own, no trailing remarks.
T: {"hour": 3, "minute": 14, "second": 50}
